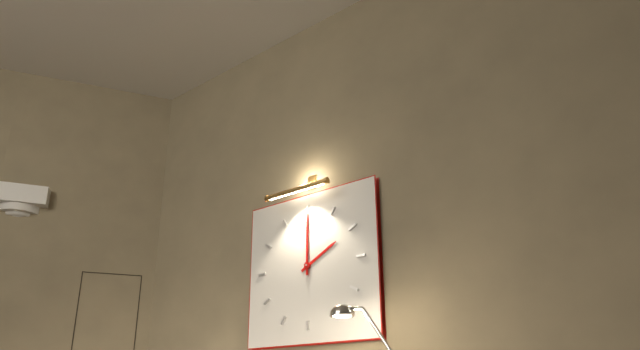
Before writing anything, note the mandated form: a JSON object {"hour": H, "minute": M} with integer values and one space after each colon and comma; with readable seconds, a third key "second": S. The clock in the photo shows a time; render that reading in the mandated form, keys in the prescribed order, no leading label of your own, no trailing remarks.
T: {"hour": 2, "minute": 0}
